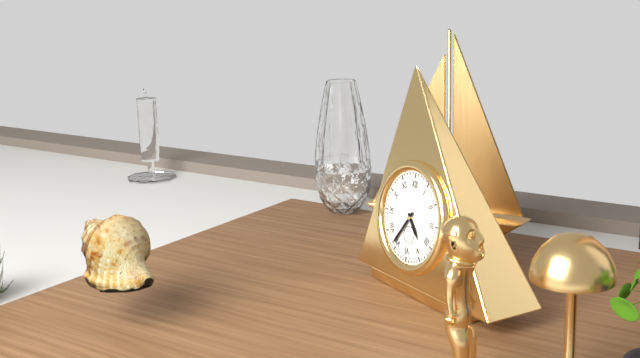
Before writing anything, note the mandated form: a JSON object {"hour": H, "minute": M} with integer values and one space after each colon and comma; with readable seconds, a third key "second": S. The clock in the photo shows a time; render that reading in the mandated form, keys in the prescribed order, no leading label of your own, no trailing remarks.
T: {"hour": 4, "minute": 36}
